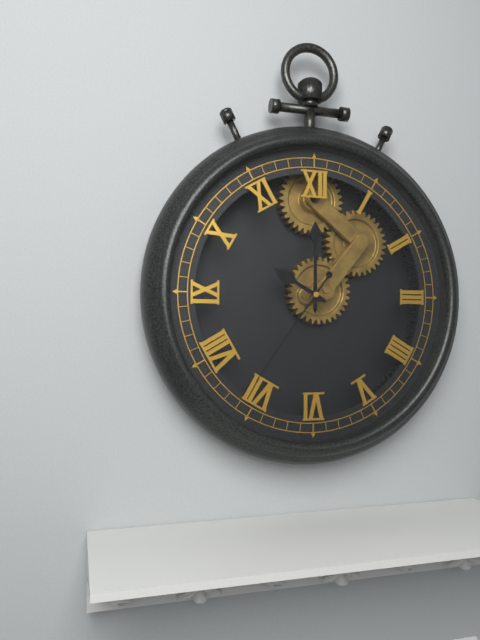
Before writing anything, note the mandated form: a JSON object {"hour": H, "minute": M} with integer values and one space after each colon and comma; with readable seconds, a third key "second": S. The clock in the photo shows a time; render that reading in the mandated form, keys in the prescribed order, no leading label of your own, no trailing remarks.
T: {"hour": 10, "minute": 0, "second": 36}
